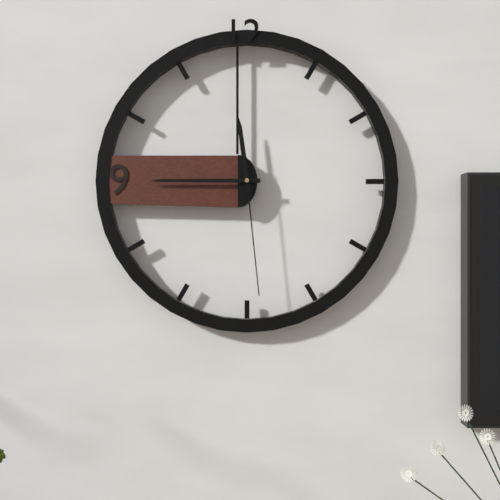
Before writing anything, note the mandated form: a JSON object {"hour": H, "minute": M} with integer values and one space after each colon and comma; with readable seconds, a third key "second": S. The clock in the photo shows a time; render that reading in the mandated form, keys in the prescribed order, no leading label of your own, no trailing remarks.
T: {"hour": 11, "minute": 45, "second": 29}
